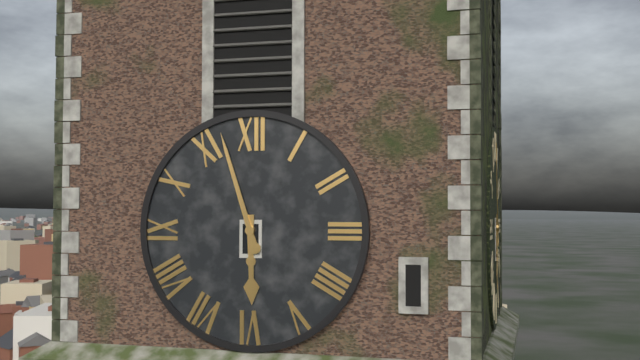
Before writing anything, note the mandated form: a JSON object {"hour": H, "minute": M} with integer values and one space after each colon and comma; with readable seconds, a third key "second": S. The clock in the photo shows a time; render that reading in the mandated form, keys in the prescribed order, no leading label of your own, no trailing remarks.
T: {"hour": 5, "minute": 57}
